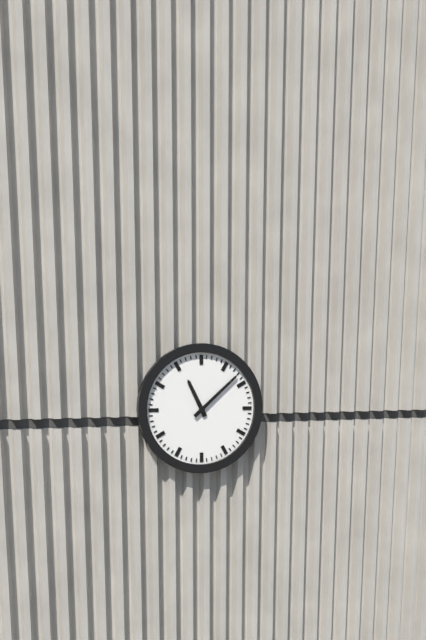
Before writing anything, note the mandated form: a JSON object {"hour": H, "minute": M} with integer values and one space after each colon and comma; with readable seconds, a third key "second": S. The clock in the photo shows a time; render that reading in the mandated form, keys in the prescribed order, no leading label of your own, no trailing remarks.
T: {"hour": 11, "minute": 8}
